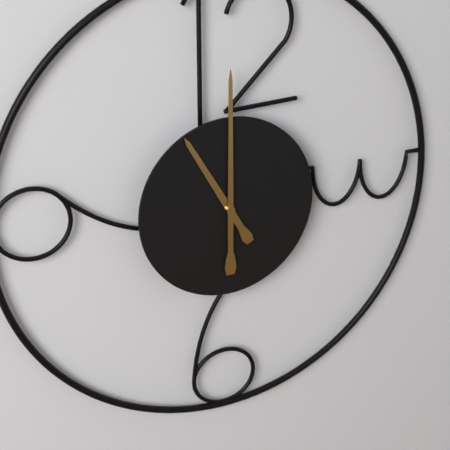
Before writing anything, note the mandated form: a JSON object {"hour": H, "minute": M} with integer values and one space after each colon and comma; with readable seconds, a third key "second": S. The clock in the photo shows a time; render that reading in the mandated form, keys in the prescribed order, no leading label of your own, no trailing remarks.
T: {"hour": 11, "minute": 0}
